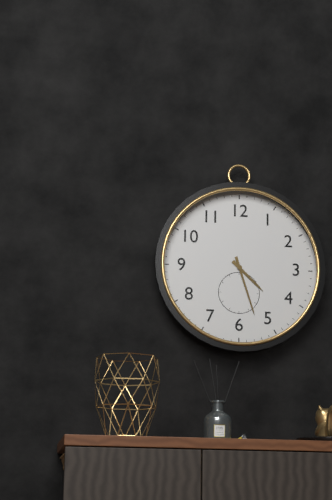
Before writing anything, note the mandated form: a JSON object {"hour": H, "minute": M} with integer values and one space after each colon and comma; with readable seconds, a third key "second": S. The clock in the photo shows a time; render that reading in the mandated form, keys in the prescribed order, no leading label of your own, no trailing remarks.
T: {"hour": 4, "minute": 27}
